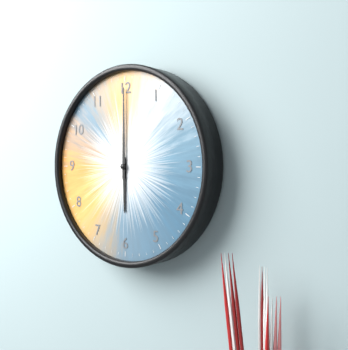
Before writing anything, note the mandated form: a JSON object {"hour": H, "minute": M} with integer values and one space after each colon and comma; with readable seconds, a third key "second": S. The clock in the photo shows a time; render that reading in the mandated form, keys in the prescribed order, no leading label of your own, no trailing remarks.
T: {"hour": 6, "minute": 0}
